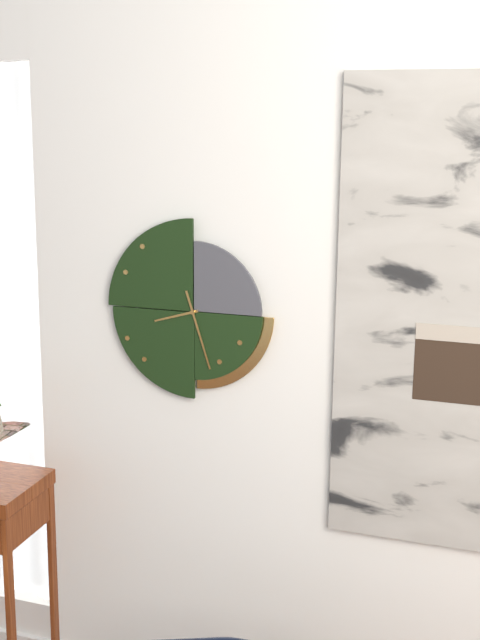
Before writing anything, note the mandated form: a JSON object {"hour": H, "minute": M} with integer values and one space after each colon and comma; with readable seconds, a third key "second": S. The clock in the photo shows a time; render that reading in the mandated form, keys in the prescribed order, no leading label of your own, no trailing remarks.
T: {"hour": 8, "minute": 27}
